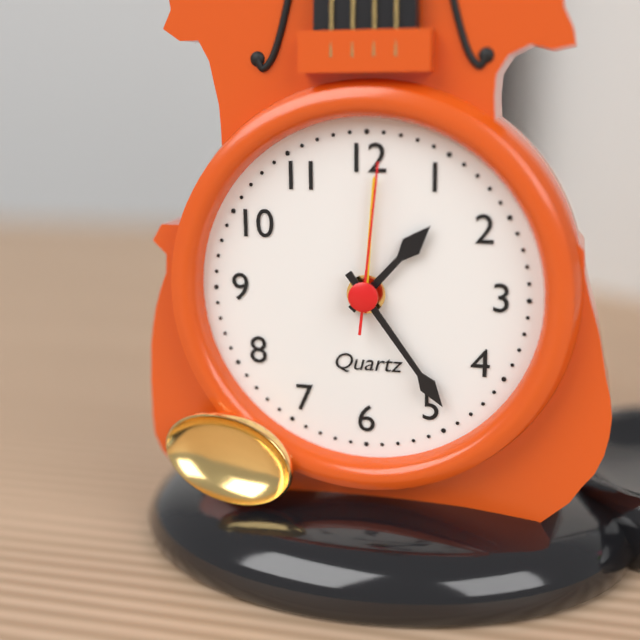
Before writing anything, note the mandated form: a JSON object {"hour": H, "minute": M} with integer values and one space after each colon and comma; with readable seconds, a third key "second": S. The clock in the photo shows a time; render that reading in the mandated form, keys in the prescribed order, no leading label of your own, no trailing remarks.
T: {"hour": 1, "minute": 24, "second": 1}
